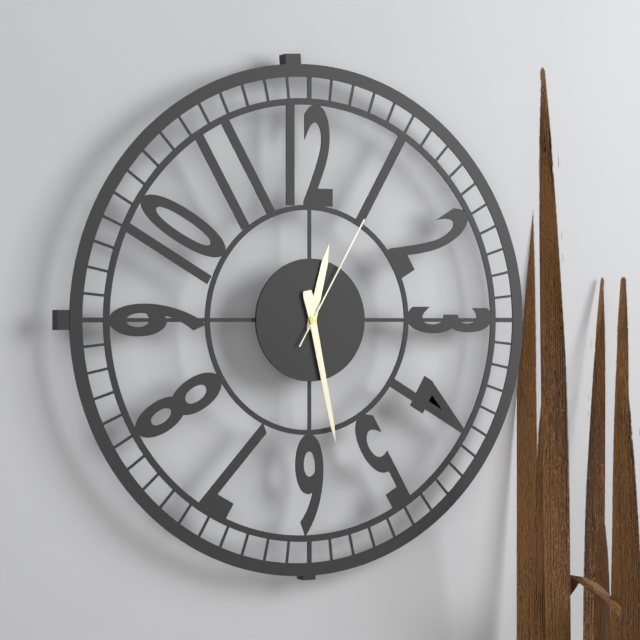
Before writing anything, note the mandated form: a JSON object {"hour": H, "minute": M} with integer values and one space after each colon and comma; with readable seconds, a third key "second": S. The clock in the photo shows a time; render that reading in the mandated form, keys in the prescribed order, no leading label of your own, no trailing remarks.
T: {"hour": 12, "minute": 28, "second": 5}
